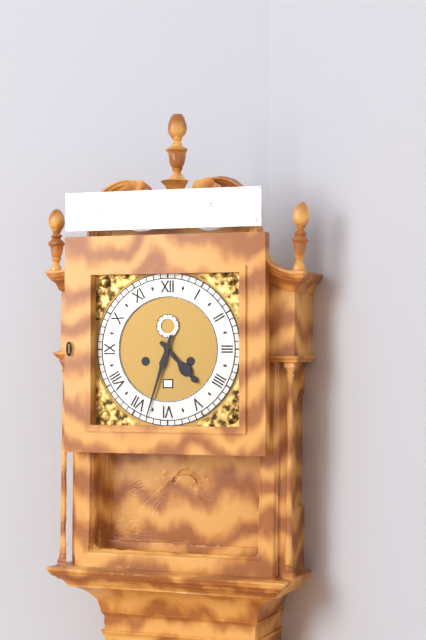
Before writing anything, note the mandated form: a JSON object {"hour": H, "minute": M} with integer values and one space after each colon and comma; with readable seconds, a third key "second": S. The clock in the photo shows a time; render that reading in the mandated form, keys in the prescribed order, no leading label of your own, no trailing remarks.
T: {"hour": 4, "minute": 33}
